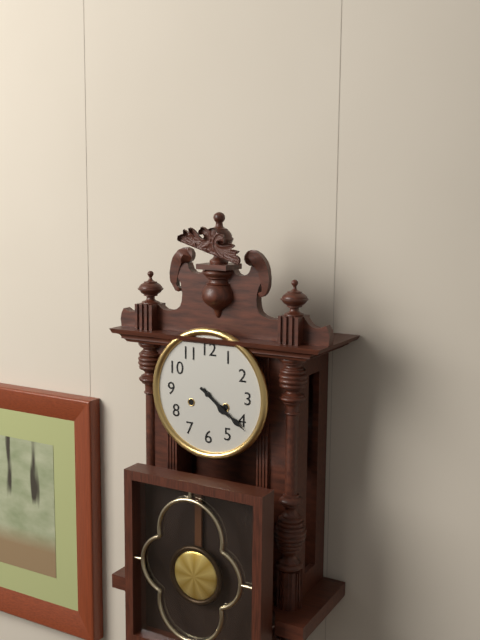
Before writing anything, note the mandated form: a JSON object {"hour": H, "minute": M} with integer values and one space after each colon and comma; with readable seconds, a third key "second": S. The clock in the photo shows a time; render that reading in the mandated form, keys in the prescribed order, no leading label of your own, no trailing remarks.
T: {"hour": 4, "minute": 21}
